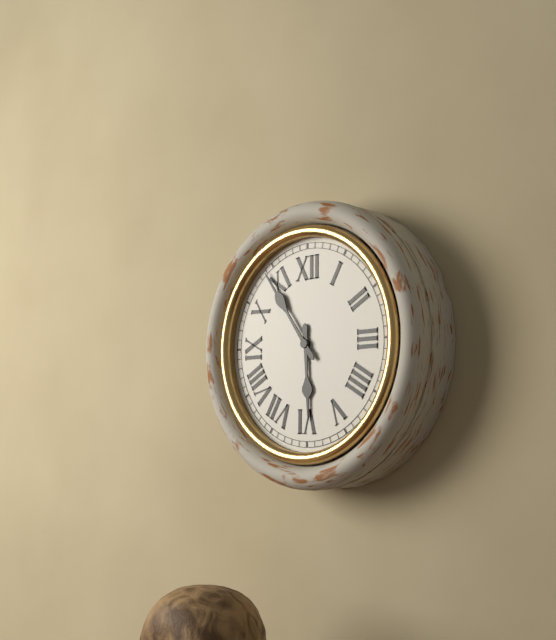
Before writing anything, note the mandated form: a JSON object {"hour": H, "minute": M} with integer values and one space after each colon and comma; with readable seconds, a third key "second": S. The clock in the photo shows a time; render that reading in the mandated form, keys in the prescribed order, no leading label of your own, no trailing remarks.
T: {"hour": 5, "minute": 54}
